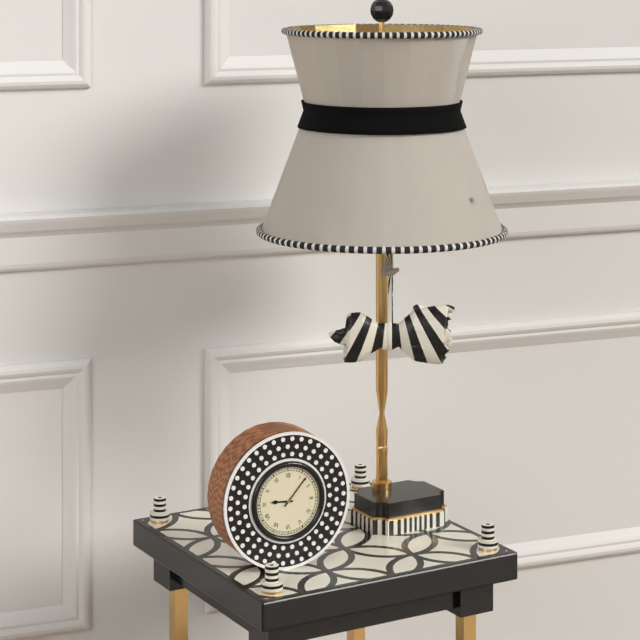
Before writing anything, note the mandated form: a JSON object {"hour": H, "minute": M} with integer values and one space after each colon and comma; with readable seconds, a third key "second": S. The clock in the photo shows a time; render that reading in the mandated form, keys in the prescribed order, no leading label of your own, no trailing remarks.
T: {"hour": 9, "minute": 7}
